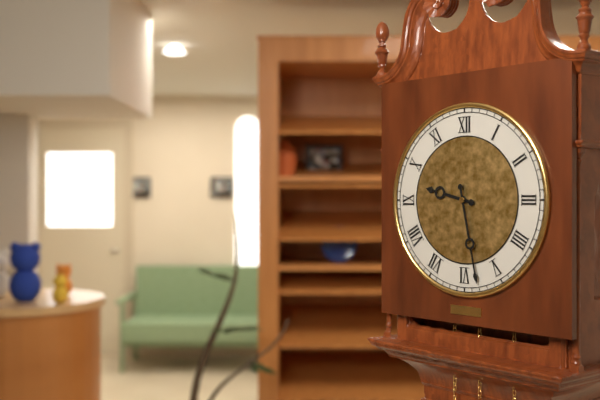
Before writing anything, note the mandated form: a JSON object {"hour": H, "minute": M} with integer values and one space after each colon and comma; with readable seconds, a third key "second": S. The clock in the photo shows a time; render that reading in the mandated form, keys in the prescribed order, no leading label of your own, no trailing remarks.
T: {"hour": 9, "minute": 28}
